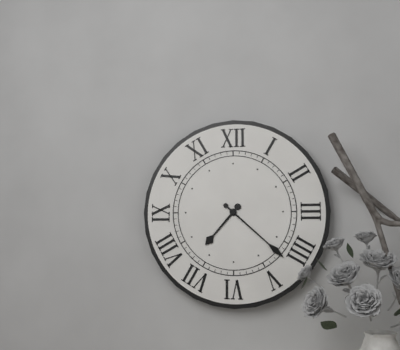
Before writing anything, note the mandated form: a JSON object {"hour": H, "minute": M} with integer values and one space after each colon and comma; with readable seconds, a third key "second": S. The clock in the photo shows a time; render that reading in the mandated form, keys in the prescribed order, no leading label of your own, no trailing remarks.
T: {"hour": 7, "minute": 22}
